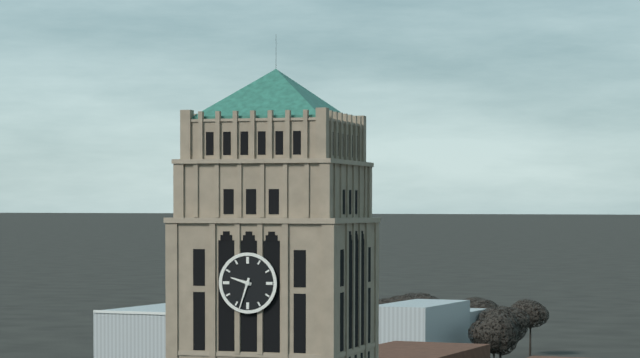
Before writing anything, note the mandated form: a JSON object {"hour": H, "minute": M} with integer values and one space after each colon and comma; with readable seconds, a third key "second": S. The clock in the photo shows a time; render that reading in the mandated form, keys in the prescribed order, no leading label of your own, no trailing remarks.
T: {"hour": 9, "minute": 33}
